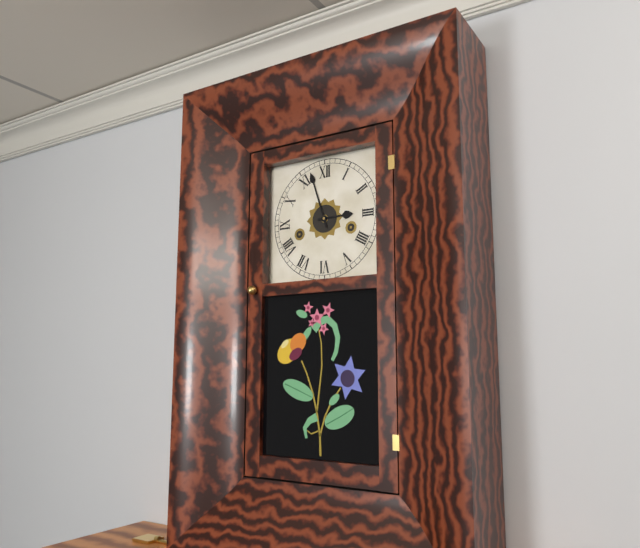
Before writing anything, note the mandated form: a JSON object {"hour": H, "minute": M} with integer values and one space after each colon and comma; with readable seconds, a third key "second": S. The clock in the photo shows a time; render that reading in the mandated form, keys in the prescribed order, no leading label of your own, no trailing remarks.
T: {"hour": 2, "minute": 57}
